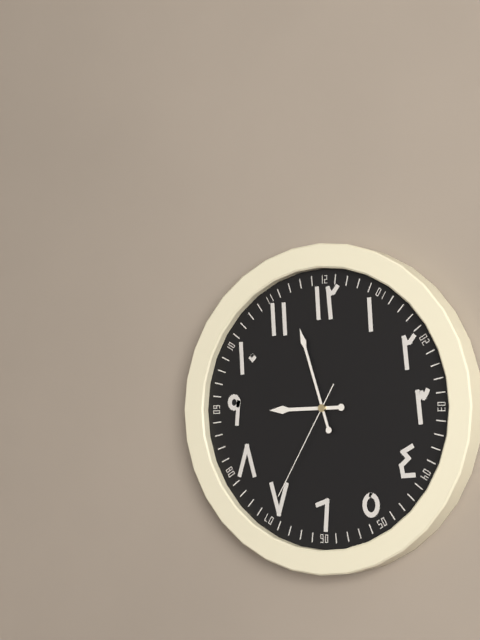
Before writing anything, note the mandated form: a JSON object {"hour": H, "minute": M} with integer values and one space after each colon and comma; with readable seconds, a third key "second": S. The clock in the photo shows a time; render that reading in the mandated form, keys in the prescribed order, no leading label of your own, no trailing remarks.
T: {"hour": 8, "minute": 57, "second": 35}
